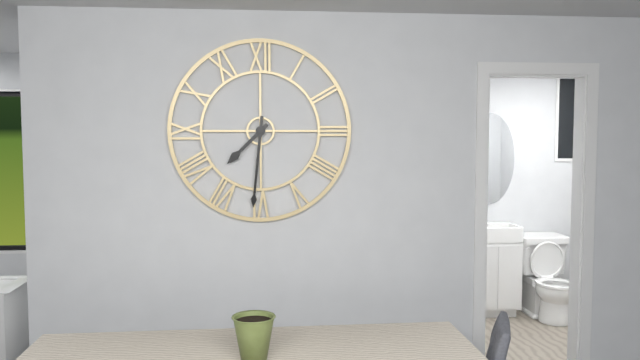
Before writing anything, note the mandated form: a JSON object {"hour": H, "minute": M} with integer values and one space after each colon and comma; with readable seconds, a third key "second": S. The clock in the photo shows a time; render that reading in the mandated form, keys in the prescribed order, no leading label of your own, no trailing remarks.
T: {"hour": 7, "minute": 31}
